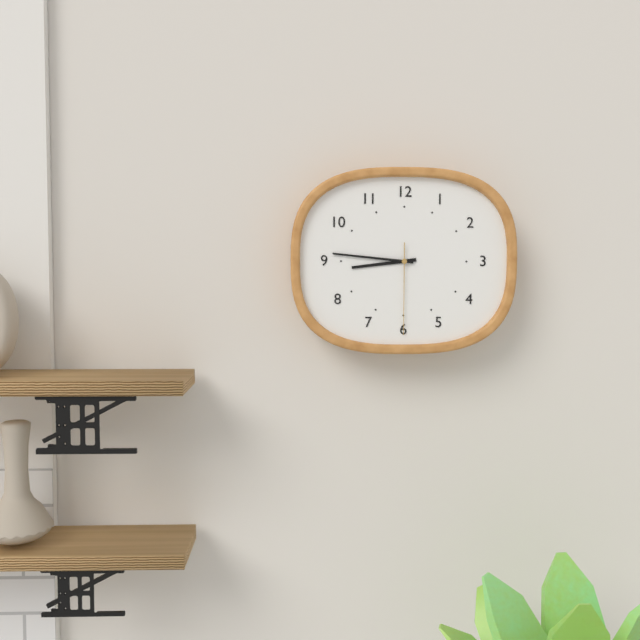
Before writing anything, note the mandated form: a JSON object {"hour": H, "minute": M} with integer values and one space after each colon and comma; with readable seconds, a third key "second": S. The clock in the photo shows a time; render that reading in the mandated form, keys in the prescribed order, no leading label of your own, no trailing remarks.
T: {"hour": 8, "minute": 46, "second": 30}
